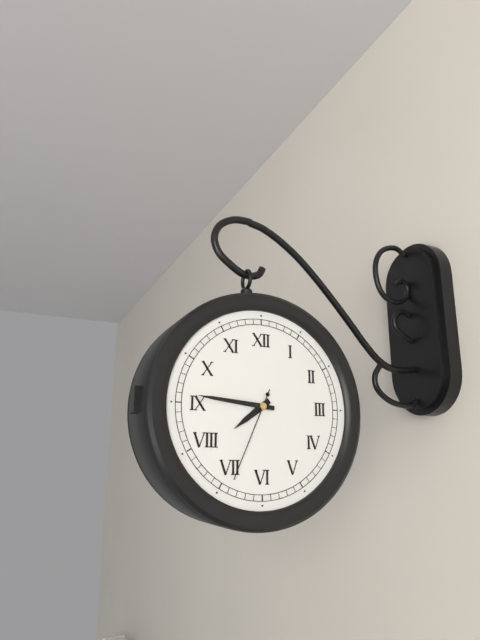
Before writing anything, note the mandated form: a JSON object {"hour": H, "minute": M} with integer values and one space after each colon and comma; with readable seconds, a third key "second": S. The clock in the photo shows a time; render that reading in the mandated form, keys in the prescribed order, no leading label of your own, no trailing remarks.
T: {"hour": 7, "minute": 46, "second": 34}
